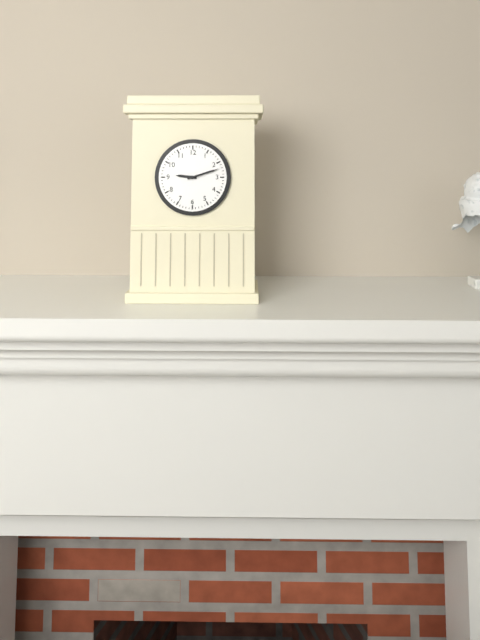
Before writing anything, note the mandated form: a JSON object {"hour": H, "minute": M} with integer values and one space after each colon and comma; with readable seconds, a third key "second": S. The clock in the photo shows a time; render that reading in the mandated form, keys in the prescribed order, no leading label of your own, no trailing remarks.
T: {"hour": 9, "minute": 12}
